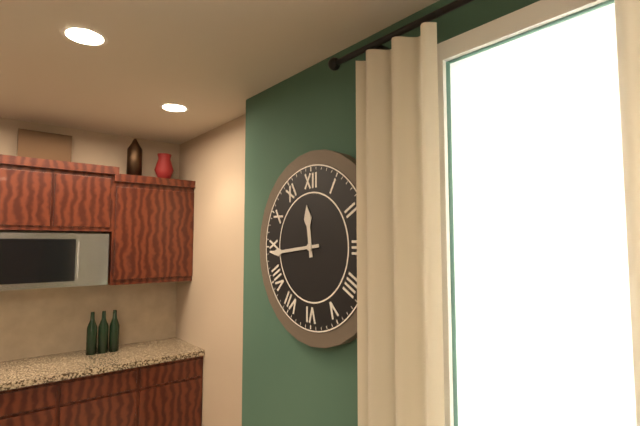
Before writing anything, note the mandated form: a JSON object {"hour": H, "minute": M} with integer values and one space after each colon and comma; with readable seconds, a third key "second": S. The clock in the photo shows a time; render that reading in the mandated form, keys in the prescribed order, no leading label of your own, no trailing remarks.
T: {"hour": 11, "minute": 44}
